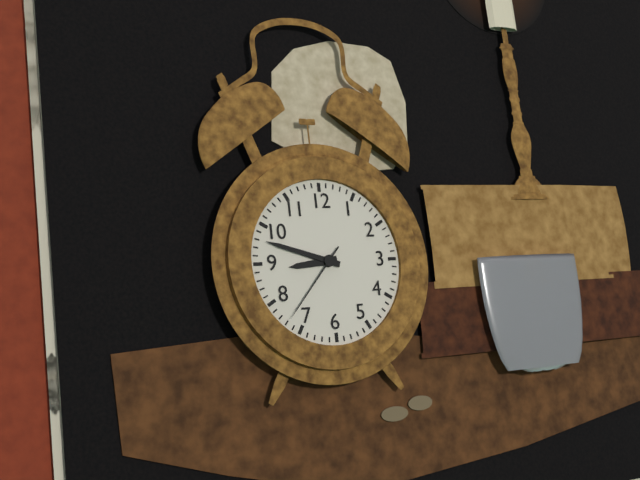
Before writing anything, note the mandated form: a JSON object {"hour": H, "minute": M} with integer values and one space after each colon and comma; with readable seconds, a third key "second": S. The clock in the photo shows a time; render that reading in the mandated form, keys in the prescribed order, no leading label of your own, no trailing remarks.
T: {"hour": 8, "minute": 48, "second": 37}
